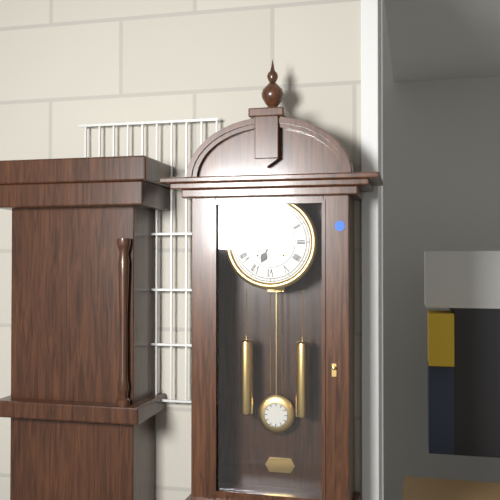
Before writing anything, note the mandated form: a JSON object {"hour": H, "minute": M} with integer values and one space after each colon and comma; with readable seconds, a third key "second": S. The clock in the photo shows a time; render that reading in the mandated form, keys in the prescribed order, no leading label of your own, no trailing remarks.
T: {"hour": 6, "minute": 49}
